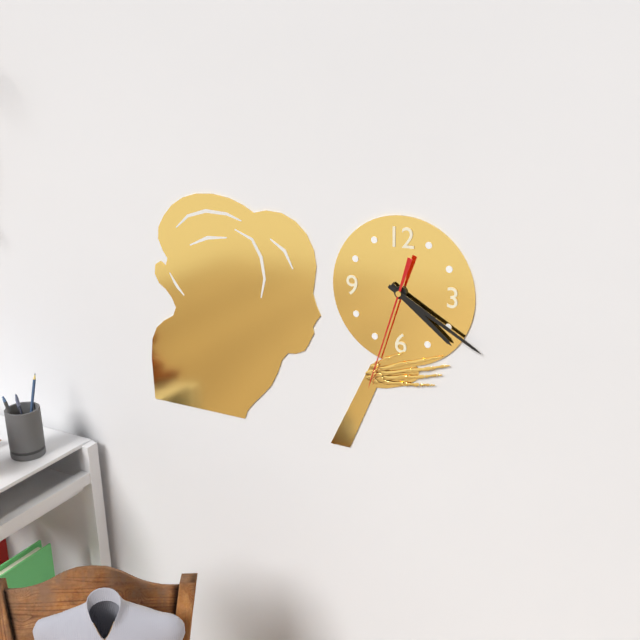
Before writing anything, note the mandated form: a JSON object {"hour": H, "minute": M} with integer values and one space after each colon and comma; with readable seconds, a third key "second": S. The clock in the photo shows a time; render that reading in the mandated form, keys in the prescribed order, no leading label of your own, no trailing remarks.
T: {"hour": 4, "minute": 20, "second": 33}
